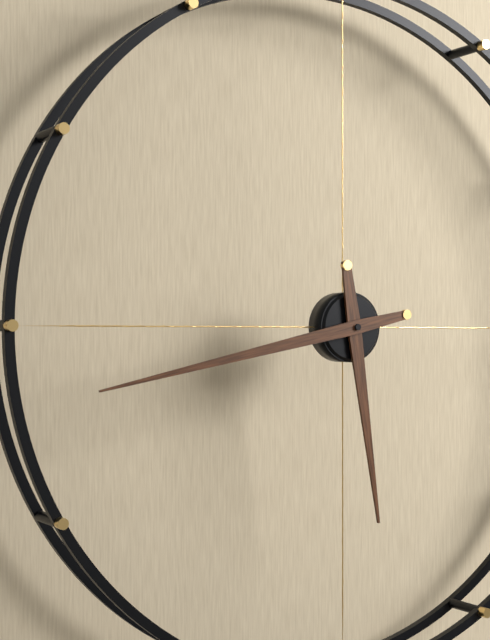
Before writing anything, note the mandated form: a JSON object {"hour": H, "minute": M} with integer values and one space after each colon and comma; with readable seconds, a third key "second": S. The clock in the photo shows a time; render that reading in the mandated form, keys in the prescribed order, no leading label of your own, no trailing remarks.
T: {"hour": 5, "minute": 43}
